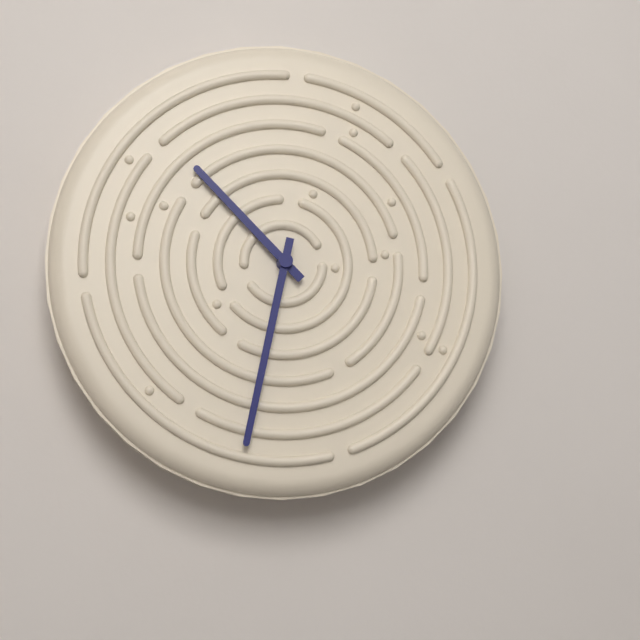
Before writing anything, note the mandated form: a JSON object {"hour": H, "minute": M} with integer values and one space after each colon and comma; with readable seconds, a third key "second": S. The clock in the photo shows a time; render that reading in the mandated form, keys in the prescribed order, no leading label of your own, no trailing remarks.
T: {"hour": 10, "minute": 32}
